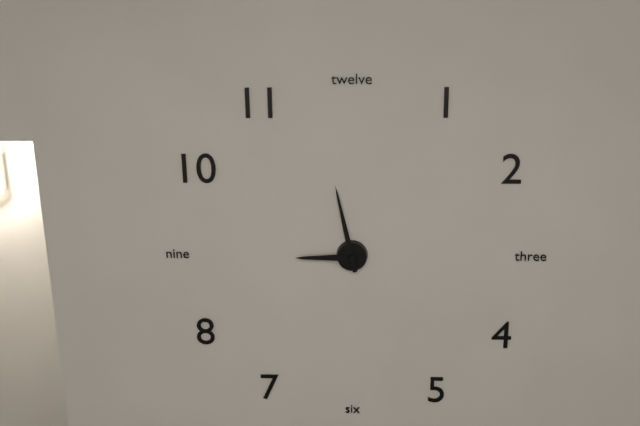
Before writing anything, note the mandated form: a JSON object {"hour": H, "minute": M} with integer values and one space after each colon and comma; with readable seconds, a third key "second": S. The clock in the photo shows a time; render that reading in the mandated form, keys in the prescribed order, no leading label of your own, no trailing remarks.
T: {"hour": 8, "minute": 58}
